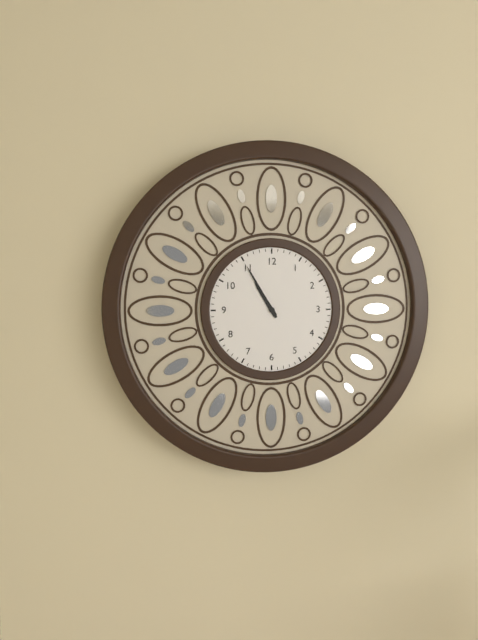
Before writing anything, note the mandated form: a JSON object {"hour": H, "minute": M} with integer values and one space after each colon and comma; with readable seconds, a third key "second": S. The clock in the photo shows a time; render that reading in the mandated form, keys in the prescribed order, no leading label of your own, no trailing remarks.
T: {"hour": 10, "minute": 55}
